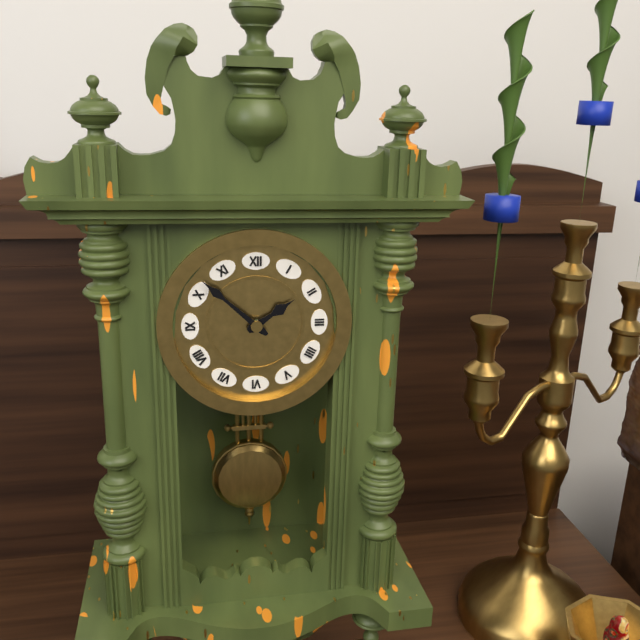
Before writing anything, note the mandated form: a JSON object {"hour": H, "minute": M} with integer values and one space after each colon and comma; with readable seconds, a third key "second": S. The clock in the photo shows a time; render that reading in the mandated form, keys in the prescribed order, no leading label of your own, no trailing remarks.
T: {"hour": 1, "minute": 52}
